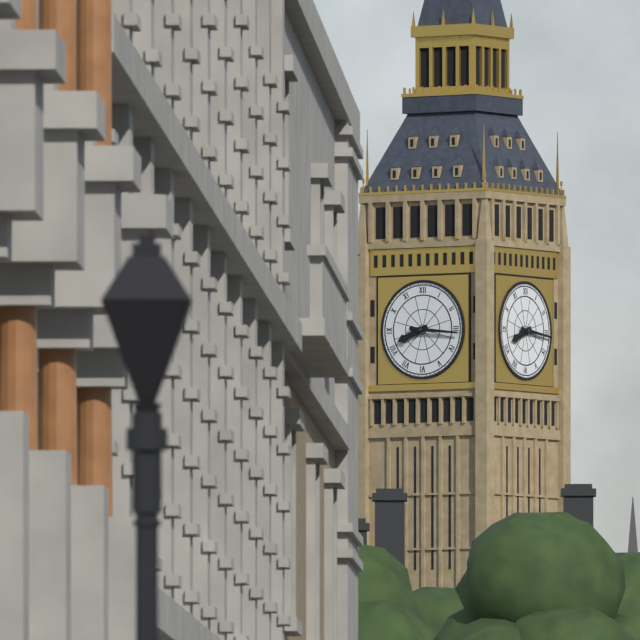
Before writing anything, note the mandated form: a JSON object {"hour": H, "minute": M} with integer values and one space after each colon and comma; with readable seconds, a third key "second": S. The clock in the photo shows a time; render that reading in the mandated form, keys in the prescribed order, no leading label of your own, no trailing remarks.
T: {"hour": 8, "minute": 16}
